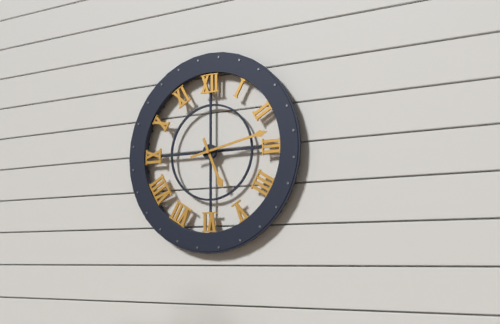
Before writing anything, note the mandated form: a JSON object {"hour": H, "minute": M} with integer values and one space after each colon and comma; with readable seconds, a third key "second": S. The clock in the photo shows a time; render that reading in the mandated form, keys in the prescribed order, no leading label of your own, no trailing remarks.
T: {"hour": 5, "minute": 13}
